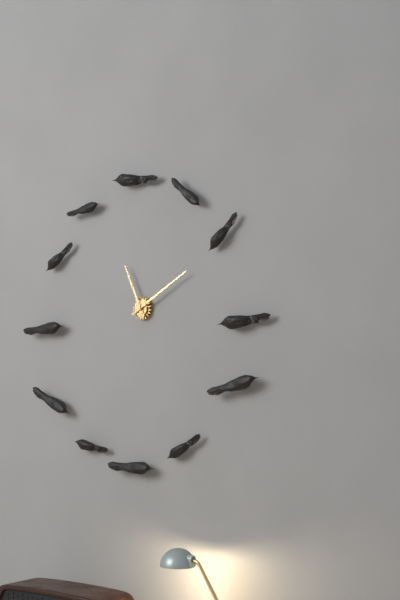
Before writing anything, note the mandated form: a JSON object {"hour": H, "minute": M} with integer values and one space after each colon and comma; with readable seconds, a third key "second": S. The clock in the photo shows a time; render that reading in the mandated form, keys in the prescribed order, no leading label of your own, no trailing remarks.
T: {"hour": 11, "minute": 10}
